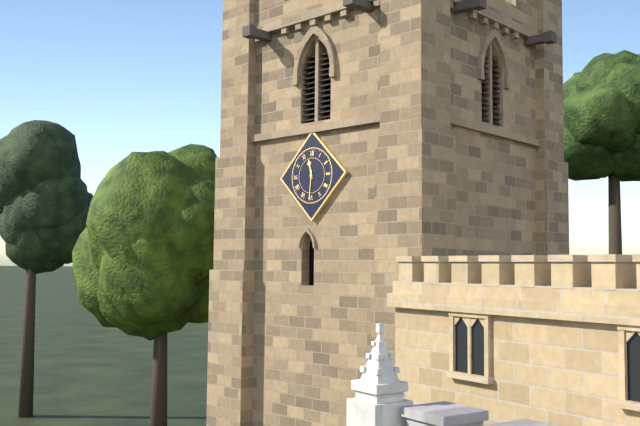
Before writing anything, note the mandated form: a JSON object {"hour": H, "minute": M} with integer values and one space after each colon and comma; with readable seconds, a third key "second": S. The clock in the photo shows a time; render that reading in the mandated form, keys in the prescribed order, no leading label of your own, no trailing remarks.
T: {"hour": 11, "minute": 31}
